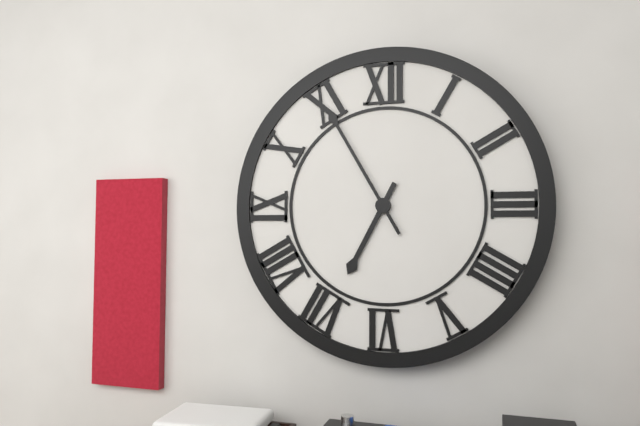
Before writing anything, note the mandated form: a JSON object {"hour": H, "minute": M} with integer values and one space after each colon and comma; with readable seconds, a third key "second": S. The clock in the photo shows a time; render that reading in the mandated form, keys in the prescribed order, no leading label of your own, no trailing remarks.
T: {"hour": 6, "minute": 55}
